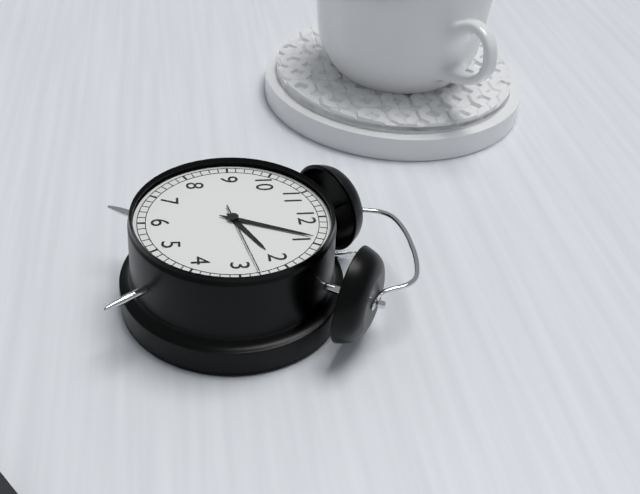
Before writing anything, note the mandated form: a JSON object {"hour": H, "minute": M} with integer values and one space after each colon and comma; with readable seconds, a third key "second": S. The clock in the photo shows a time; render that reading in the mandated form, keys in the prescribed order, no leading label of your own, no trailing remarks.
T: {"hour": 2, "minute": 4}
